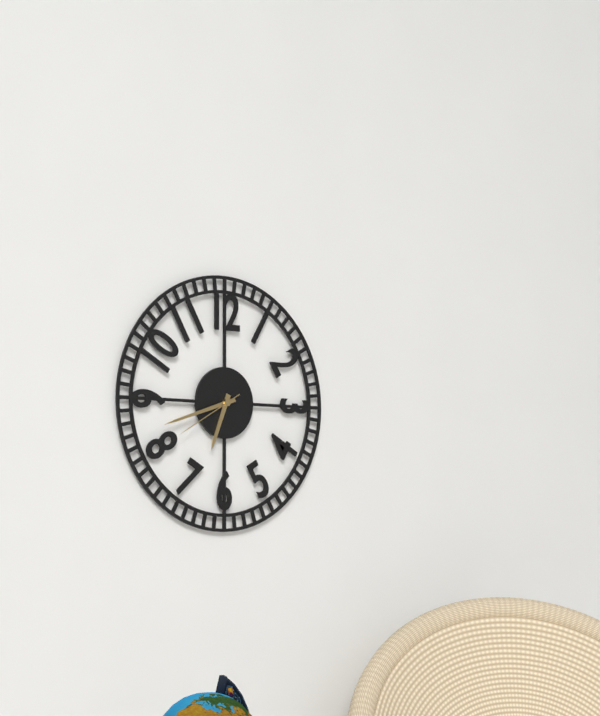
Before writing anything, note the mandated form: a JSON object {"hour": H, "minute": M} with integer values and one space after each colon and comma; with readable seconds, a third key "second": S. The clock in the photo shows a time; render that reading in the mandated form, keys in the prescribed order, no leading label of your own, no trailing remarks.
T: {"hour": 6, "minute": 42, "second": 40}
